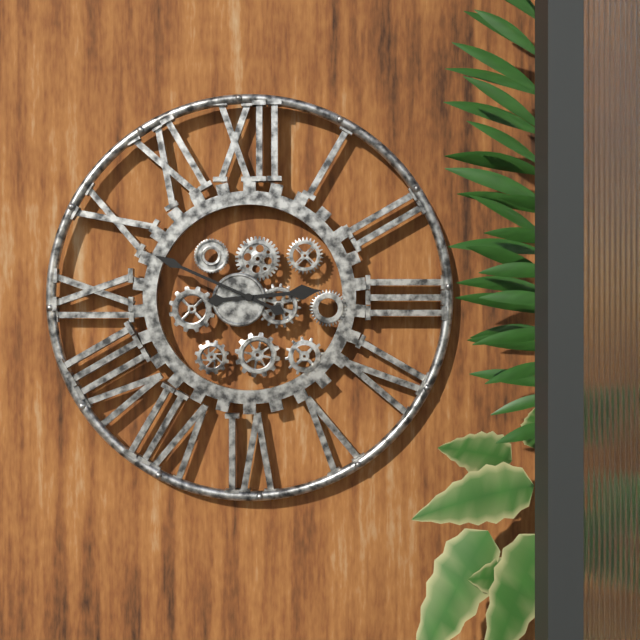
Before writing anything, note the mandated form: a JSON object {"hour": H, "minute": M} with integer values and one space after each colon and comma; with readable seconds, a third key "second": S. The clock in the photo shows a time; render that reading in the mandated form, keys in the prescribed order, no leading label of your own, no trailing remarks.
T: {"hour": 2, "minute": 49}
